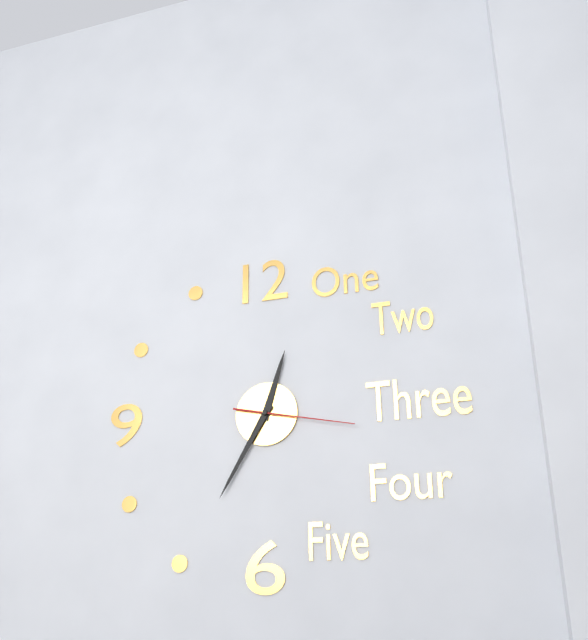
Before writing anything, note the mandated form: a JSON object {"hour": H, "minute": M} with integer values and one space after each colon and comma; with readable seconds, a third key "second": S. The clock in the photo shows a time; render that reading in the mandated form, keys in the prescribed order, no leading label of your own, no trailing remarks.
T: {"hour": 12, "minute": 35, "second": 17}
